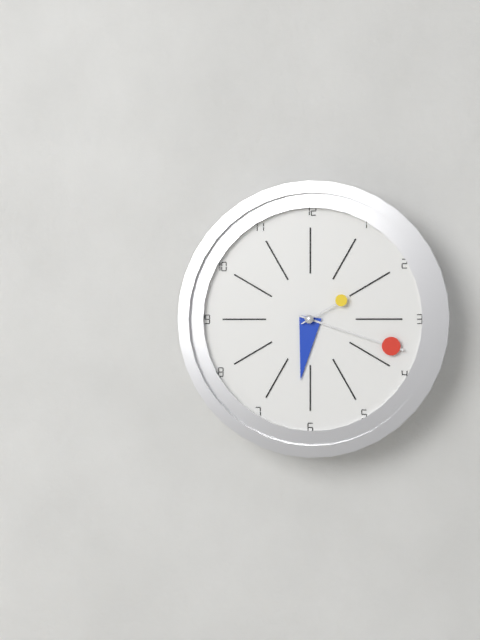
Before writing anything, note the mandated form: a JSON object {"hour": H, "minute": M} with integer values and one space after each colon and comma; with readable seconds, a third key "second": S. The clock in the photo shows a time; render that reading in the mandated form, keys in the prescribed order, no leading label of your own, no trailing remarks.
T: {"hour": 6, "minute": 18}
